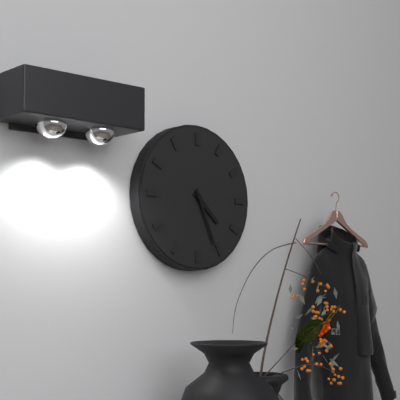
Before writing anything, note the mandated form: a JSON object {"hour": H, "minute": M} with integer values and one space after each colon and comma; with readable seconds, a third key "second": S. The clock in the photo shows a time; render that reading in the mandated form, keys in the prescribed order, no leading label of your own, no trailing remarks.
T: {"hour": 4, "minute": 26}
